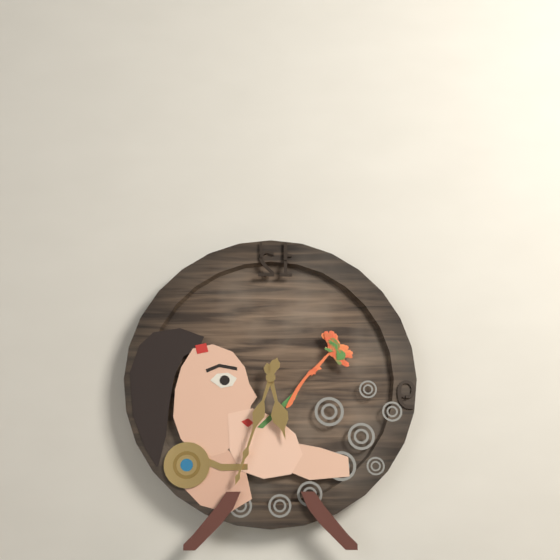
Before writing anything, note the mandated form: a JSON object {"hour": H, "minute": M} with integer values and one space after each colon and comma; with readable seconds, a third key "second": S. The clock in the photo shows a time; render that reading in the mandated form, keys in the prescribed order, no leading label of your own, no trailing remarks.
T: {"hour": 5, "minute": 33}
